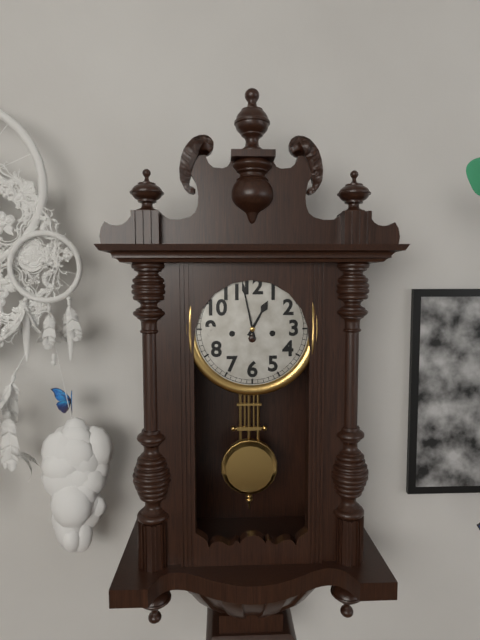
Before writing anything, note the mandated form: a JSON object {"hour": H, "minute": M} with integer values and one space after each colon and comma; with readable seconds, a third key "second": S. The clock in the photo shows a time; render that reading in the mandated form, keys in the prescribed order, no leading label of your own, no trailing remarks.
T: {"hour": 12, "minute": 58}
